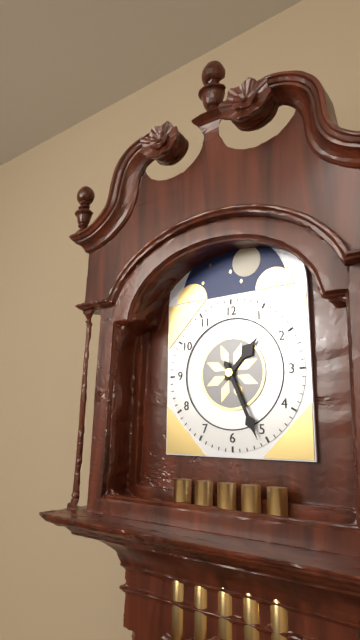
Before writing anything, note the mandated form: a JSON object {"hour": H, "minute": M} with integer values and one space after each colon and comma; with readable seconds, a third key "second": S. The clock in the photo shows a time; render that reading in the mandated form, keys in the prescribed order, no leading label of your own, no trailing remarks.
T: {"hour": 1, "minute": 26}
